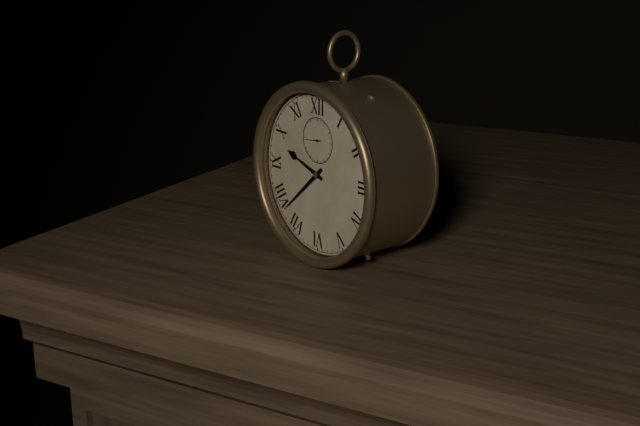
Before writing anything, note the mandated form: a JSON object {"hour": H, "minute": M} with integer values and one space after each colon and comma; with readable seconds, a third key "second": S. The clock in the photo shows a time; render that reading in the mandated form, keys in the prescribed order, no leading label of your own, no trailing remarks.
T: {"hour": 9, "minute": 38}
